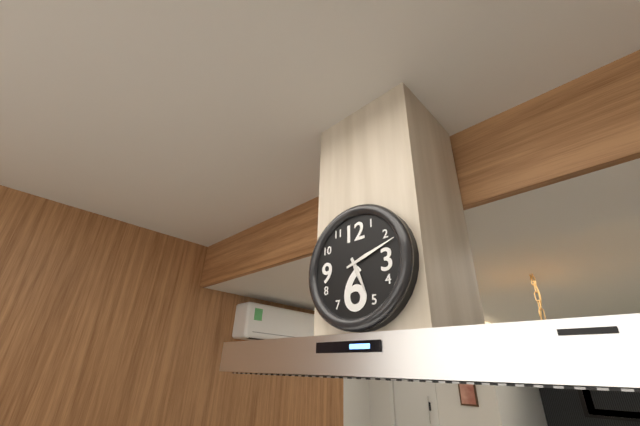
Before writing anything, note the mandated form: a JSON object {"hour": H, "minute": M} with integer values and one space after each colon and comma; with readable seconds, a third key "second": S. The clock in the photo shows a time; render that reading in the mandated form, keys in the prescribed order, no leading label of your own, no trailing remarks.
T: {"hour": 5, "minute": 12}
